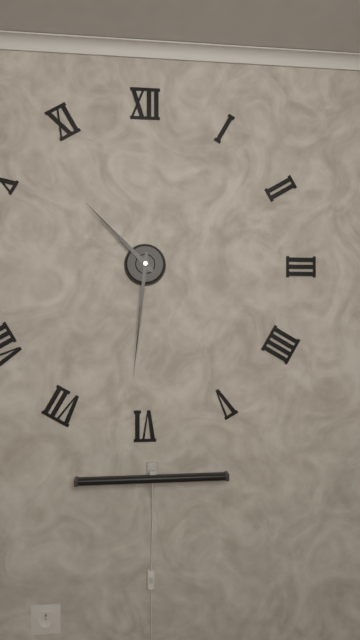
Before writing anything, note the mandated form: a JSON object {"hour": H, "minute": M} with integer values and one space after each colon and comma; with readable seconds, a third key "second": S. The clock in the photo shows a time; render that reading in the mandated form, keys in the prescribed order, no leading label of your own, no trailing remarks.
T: {"hour": 10, "minute": 31}
